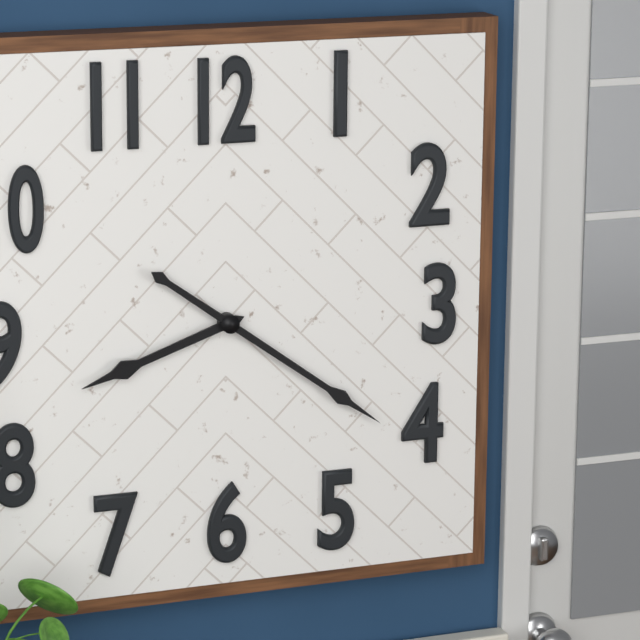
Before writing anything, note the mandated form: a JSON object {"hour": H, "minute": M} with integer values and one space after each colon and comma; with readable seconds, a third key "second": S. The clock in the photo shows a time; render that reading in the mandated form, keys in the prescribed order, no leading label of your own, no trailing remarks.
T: {"hour": 8, "minute": 21}
